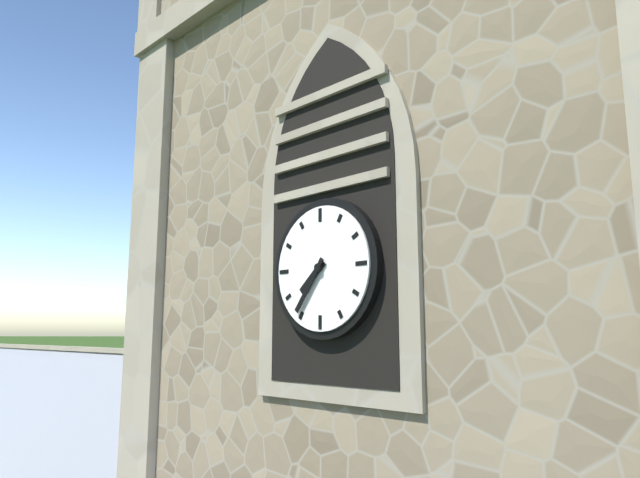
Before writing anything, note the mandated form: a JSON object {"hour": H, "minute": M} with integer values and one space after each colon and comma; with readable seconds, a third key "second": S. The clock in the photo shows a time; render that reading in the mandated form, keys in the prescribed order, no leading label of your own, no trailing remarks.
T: {"hour": 7, "minute": 36}
